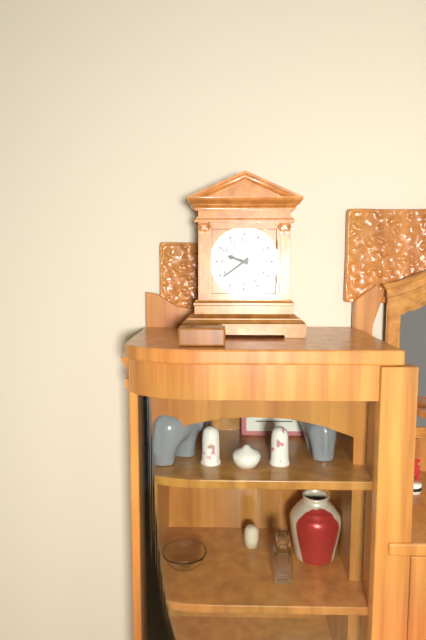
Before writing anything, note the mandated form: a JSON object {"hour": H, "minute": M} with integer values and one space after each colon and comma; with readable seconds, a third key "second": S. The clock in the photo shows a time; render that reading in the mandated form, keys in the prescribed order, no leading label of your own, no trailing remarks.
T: {"hour": 9, "minute": 39}
